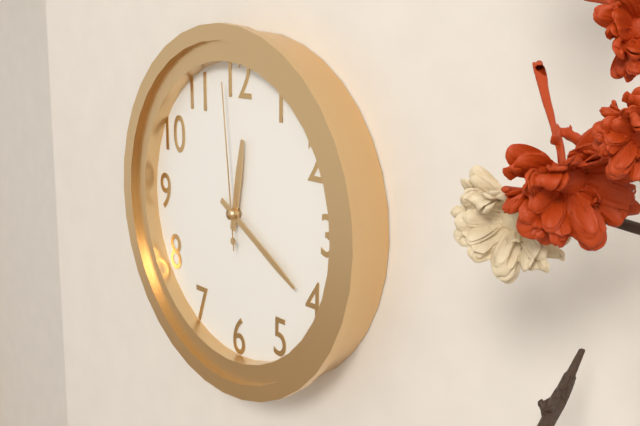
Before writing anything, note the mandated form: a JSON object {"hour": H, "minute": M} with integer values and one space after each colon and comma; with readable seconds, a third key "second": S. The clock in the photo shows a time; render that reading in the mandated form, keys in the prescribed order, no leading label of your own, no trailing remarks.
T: {"hour": 12, "minute": 20, "second": 59}
